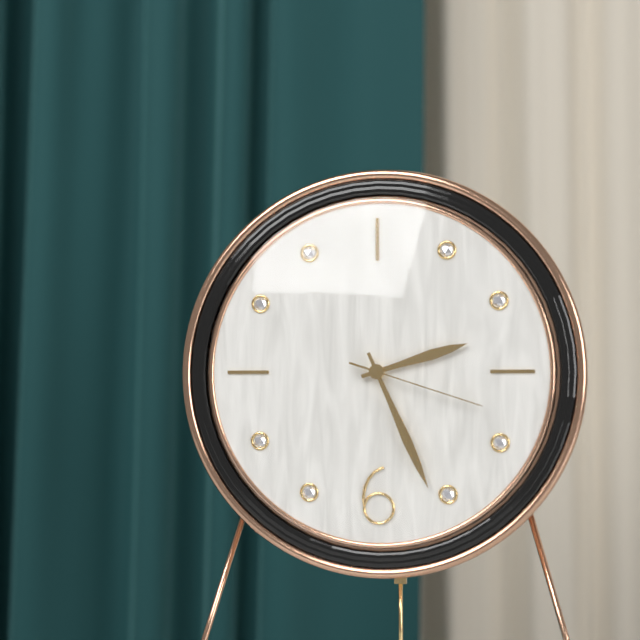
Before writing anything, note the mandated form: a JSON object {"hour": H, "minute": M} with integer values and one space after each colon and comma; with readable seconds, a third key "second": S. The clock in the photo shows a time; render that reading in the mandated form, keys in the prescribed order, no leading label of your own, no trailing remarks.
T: {"hour": 2, "minute": 26, "second": 18}
